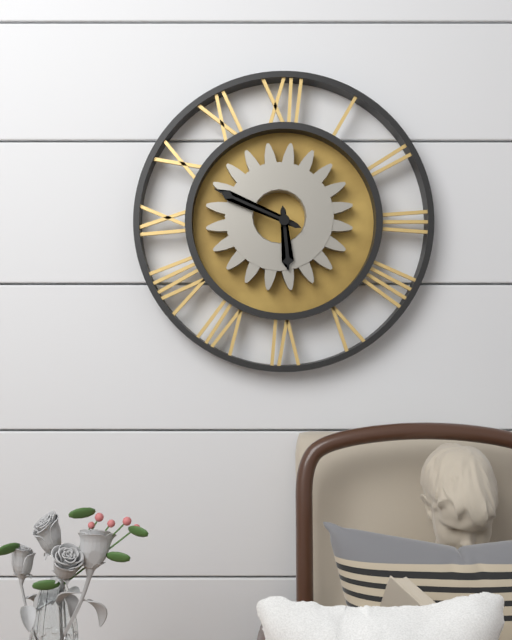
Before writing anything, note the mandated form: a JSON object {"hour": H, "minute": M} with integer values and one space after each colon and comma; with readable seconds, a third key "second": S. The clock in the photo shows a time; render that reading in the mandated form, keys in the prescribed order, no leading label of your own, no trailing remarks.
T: {"hour": 5, "minute": 49}
